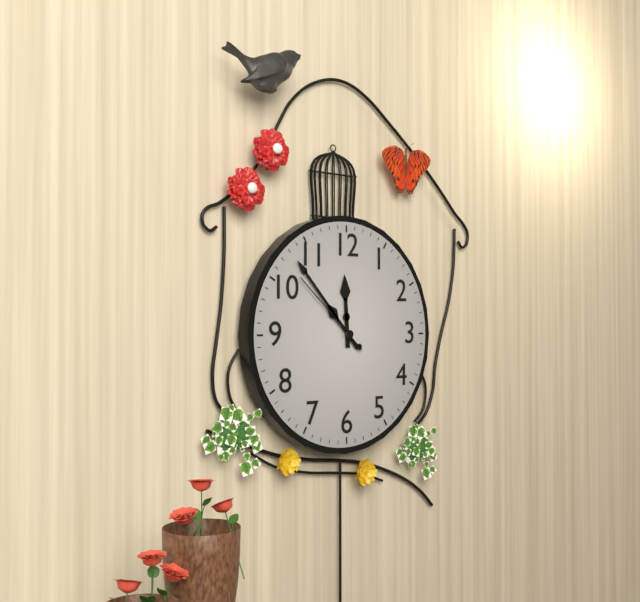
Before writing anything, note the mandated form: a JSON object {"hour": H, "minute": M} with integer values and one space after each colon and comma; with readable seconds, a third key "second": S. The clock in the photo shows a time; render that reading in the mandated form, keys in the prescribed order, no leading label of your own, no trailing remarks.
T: {"hour": 11, "minute": 53, "second": 52}
